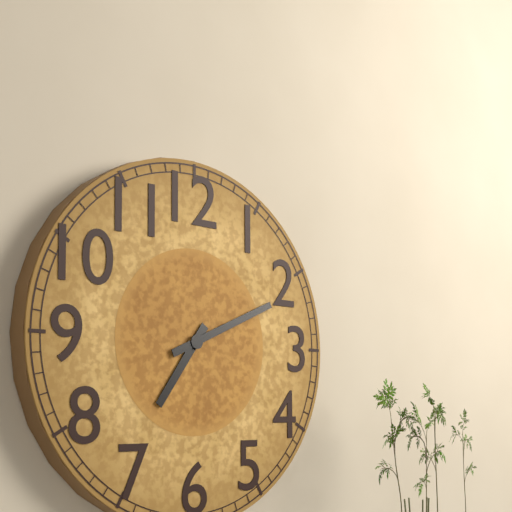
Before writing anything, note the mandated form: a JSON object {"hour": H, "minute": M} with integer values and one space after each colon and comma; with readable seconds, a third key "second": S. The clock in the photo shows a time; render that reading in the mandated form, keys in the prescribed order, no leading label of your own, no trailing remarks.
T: {"hour": 7, "minute": 11}
